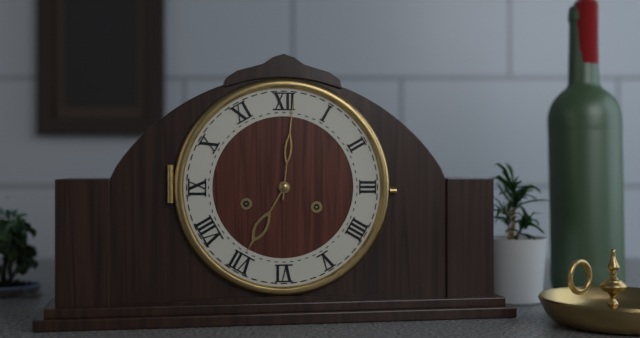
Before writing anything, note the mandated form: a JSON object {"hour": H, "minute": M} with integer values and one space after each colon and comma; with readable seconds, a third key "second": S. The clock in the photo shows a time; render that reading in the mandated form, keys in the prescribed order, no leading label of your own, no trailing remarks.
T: {"hour": 7, "minute": 1}
